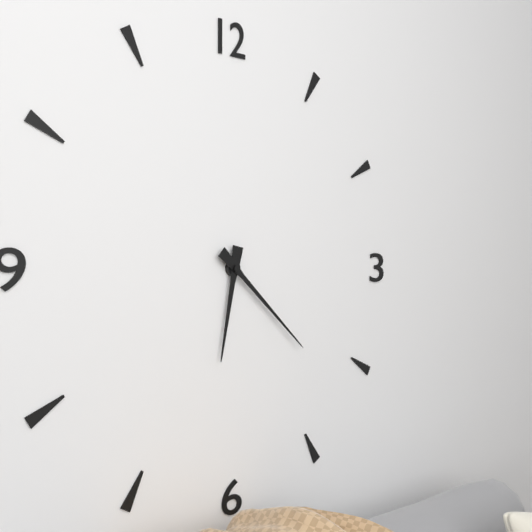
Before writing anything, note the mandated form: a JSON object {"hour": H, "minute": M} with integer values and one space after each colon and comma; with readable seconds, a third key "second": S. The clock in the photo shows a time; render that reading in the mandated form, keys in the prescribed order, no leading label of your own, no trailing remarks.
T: {"hour": 6, "minute": 22}
